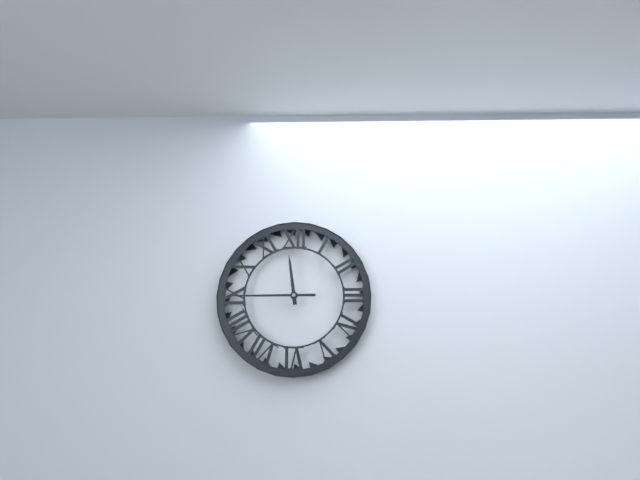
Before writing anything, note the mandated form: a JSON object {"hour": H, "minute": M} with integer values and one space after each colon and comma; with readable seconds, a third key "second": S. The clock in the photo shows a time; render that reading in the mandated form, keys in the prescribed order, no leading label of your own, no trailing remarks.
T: {"hour": 11, "minute": 45}
